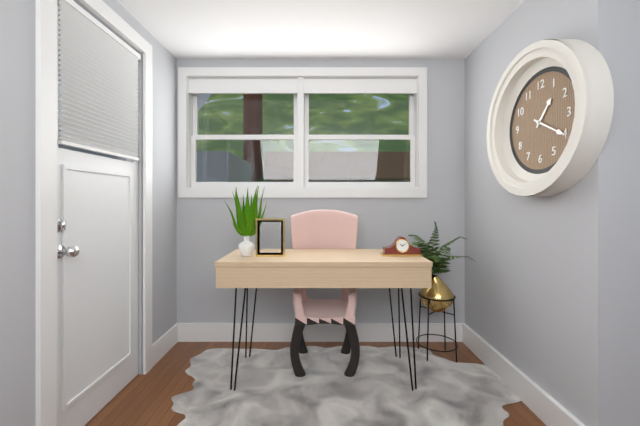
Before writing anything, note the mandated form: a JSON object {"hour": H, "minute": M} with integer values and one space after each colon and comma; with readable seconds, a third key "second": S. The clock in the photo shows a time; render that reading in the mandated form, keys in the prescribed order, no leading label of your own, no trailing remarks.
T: {"hour": 1, "minute": 20}
